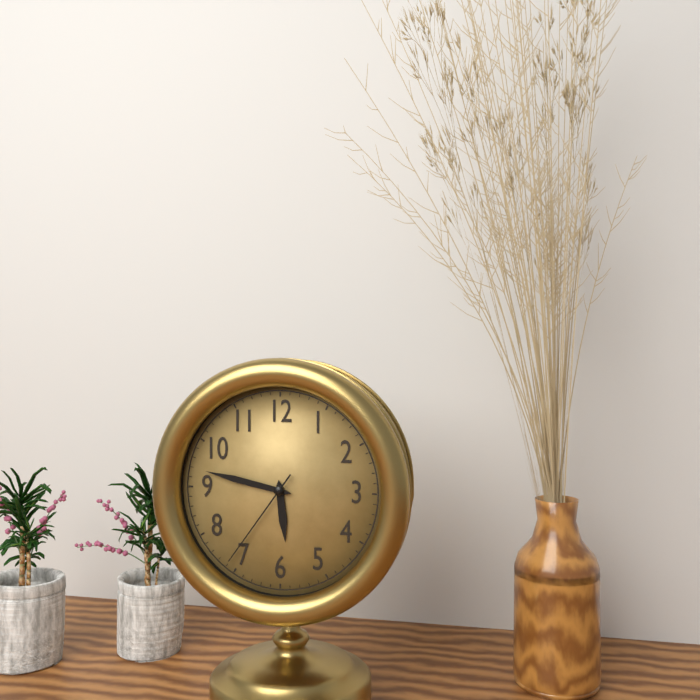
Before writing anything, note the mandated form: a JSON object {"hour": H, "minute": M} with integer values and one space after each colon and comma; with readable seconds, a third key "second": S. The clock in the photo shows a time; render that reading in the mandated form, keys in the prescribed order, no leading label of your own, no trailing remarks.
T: {"hour": 5, "minute": 47, "second": 36}
